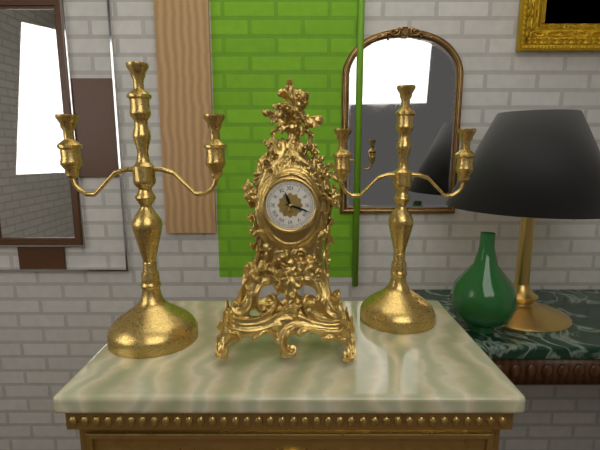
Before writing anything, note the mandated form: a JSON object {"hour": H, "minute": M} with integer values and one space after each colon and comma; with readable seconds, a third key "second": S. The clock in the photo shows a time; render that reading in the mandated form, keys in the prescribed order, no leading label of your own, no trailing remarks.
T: {"hour": 11, "minute": 18}
